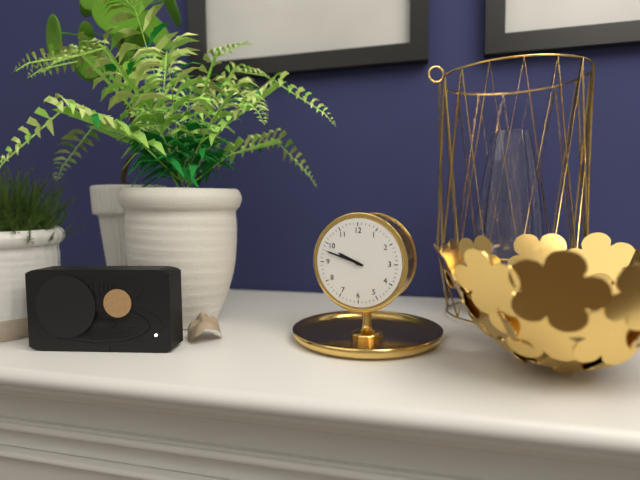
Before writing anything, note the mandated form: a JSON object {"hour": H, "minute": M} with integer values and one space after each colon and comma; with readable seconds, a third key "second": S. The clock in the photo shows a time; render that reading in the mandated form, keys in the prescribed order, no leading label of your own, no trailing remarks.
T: {"hour": 9, "minute": 48}
